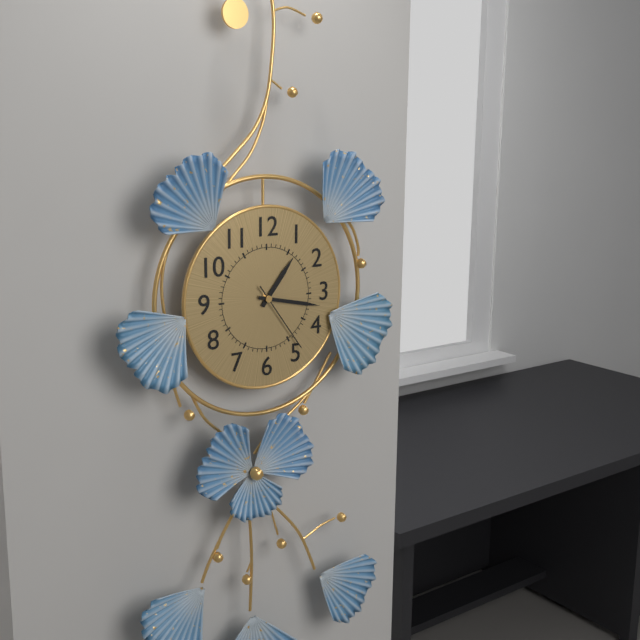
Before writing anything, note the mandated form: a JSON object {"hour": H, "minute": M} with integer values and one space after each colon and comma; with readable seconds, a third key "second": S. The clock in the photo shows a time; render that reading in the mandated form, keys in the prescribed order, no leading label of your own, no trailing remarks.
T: {"hour": 1, "minute": 17, "second": 24}
